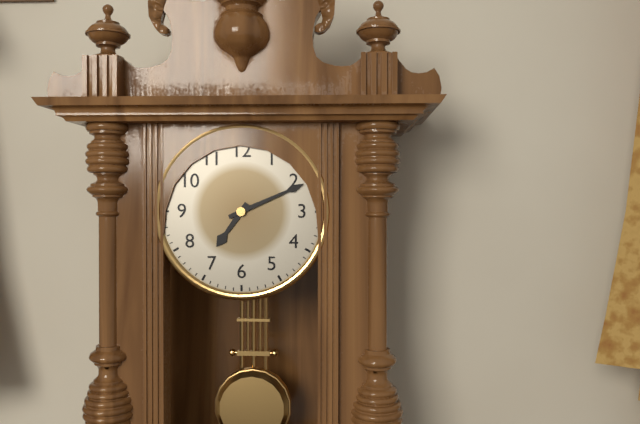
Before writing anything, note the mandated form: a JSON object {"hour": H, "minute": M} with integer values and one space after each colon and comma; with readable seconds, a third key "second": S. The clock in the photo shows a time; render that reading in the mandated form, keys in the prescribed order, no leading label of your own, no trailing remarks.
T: {"hour": 7, "minute": 11}
